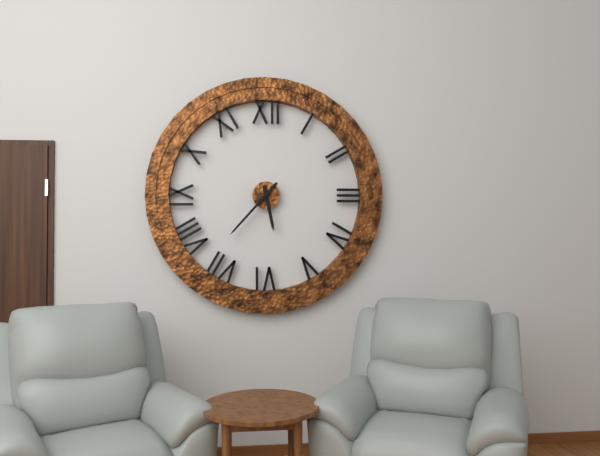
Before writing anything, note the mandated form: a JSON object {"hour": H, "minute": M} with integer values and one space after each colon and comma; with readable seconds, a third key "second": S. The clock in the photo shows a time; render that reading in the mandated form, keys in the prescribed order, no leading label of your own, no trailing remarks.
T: {"hour": 5, "minute": 37}
